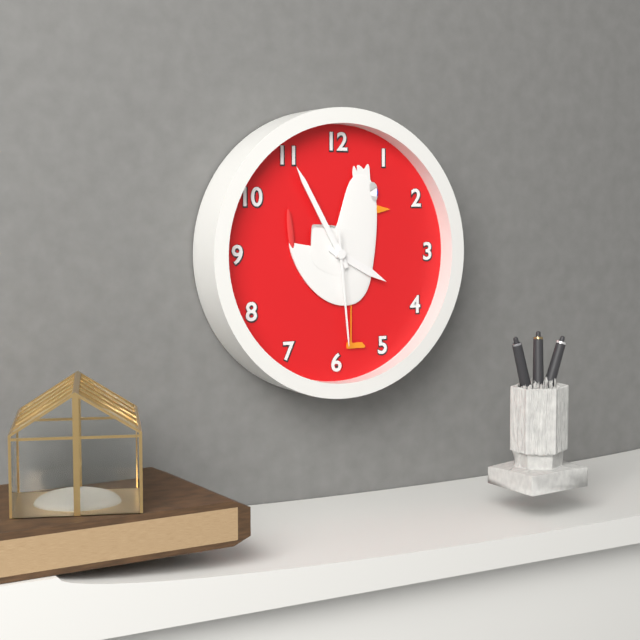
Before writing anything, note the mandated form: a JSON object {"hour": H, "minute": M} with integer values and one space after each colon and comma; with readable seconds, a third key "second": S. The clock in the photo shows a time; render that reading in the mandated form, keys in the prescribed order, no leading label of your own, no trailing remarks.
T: {"hour": 3, "minute": 55, "second": 29}
